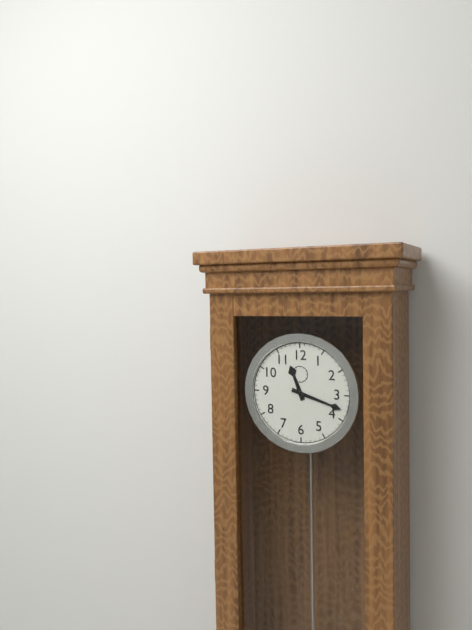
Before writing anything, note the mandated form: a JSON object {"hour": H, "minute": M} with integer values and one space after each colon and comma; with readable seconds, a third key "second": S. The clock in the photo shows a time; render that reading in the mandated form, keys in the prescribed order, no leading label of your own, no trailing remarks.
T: {"hour": 11, "minute": 18}
